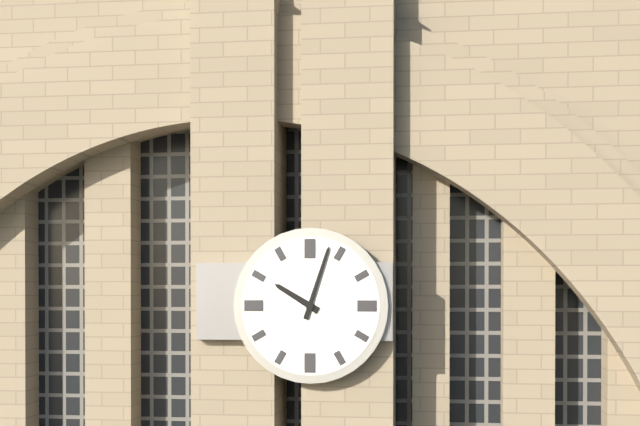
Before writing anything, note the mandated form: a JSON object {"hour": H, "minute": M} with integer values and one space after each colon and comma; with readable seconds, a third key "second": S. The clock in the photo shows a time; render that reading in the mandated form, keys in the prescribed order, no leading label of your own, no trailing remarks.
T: {"hour": 10, "minute": 3}
